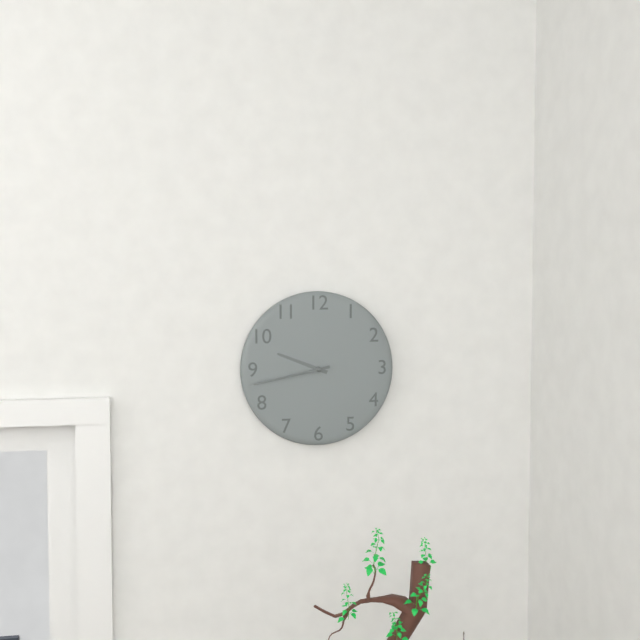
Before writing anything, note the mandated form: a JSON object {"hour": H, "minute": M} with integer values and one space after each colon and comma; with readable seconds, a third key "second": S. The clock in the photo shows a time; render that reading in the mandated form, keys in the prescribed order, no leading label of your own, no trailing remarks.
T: {"hour": 9, "minute": 43}
